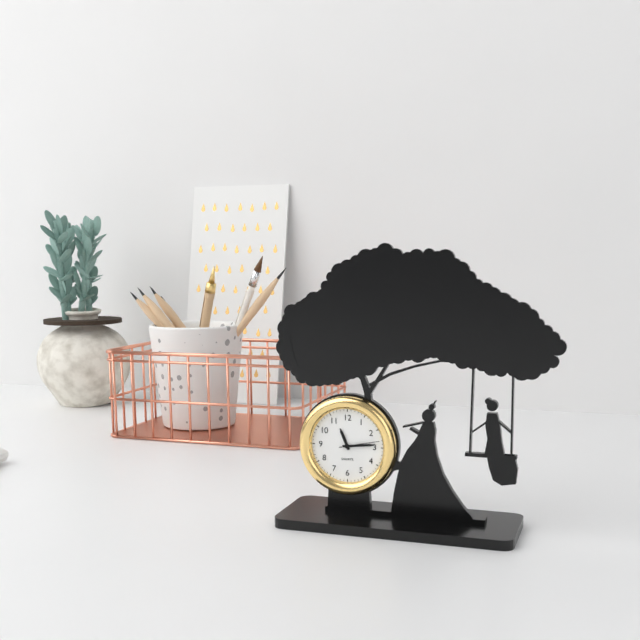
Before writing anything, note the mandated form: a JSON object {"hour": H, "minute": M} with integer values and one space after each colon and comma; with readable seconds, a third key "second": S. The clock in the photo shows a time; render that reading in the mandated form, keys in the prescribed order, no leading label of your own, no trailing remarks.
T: {"hour": 11, "minute": 14}
